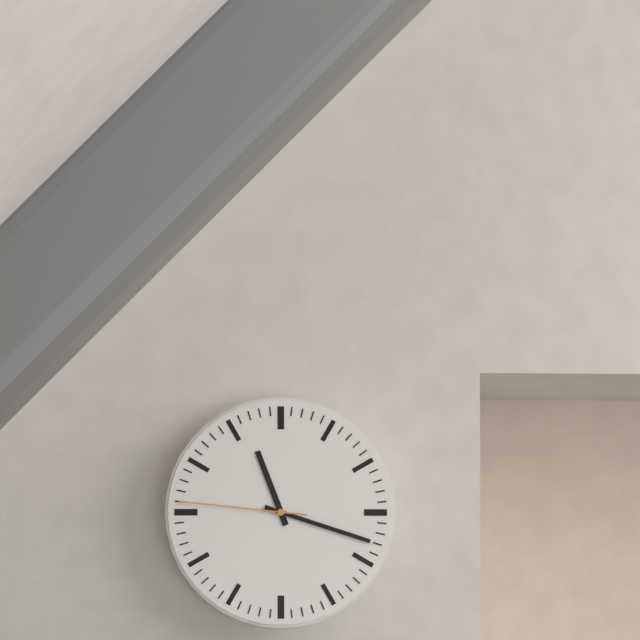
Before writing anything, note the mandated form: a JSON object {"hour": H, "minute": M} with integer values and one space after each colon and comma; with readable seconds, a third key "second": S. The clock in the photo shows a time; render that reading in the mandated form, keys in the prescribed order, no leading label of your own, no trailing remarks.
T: {"hour": 11, "minute": 18, "second": 46}
